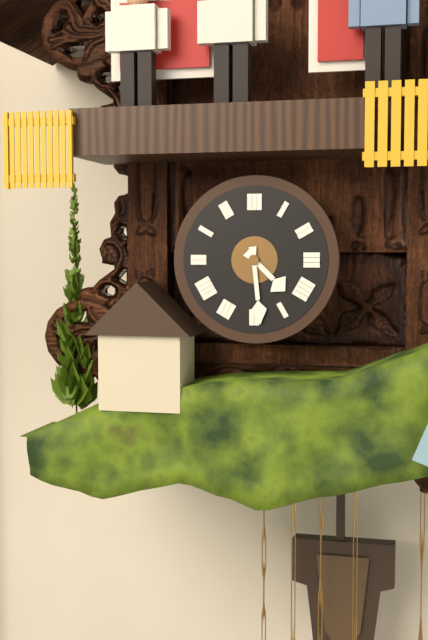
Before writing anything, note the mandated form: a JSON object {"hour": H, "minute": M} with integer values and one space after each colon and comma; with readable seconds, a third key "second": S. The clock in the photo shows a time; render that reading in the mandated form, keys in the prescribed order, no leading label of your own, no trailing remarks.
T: {"hour": 4, "minute": 29}
